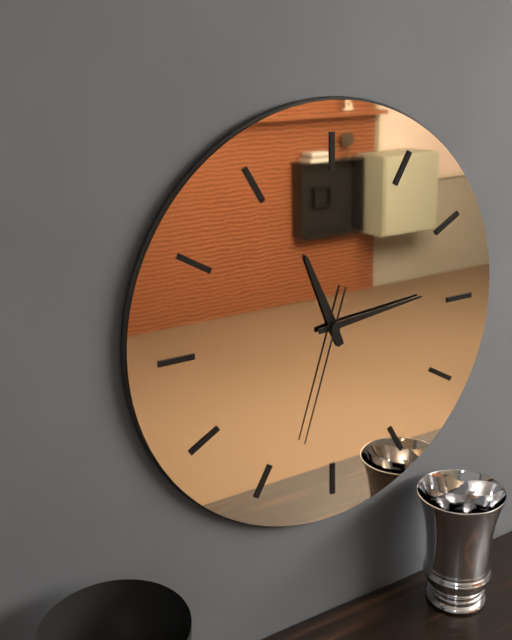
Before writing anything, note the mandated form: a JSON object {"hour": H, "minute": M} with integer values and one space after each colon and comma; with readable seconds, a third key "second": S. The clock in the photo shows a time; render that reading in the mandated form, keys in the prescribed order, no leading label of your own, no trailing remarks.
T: {"hour": 11, "minute": 14, "second": 33}
